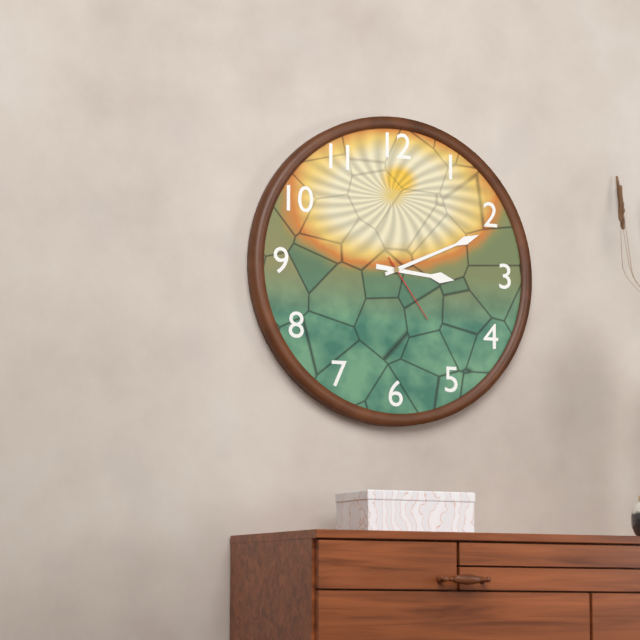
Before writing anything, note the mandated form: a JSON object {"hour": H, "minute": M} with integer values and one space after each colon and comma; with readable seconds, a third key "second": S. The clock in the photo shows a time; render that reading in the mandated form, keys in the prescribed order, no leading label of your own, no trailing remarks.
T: {"hour": 3, "minute": 11, "second": 24}
